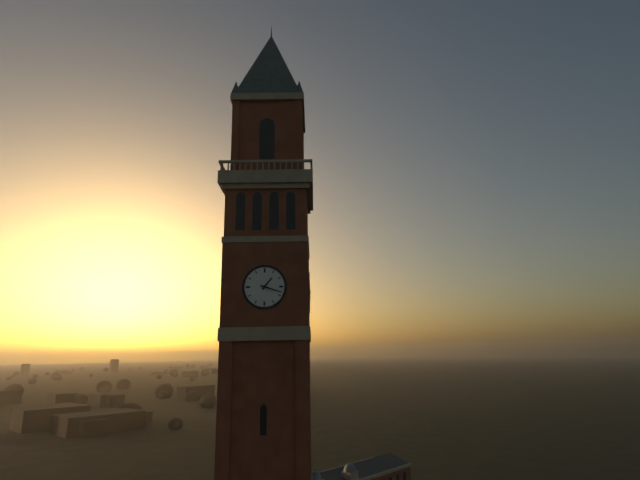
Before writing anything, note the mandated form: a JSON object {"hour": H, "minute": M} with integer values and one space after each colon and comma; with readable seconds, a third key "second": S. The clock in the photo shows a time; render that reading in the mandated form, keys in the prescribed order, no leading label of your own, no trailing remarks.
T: {"hour": 1, "minute": 18}
